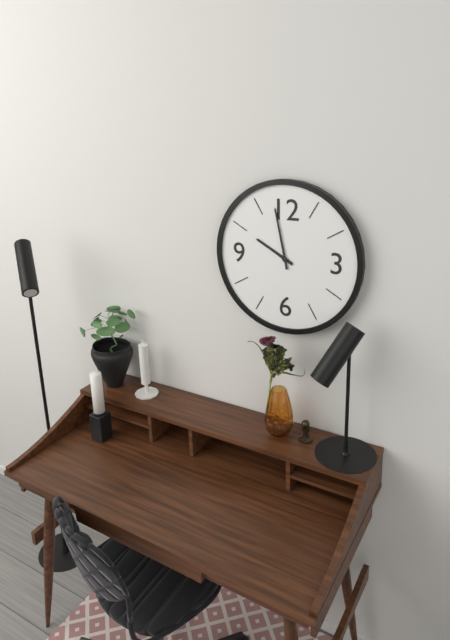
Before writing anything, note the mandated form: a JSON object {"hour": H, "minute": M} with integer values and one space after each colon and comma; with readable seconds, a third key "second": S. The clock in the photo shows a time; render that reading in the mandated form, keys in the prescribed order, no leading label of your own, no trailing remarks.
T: {"hour": 9, "minute": 58}
